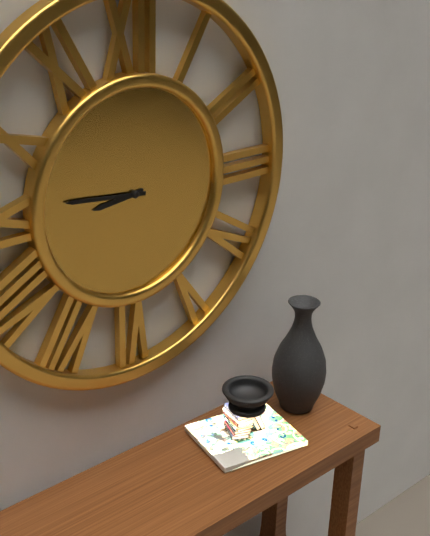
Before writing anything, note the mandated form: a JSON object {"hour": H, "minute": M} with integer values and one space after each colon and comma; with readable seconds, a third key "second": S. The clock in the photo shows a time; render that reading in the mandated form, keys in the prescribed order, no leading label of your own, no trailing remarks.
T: {"hour": 8, "minute": 46}
